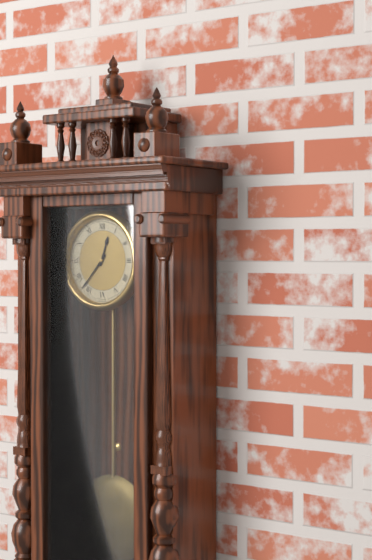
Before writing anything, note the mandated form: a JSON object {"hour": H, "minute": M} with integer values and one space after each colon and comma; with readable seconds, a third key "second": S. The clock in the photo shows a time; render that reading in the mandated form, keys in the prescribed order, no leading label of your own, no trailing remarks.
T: {"hour": 12, "minute": 37}
